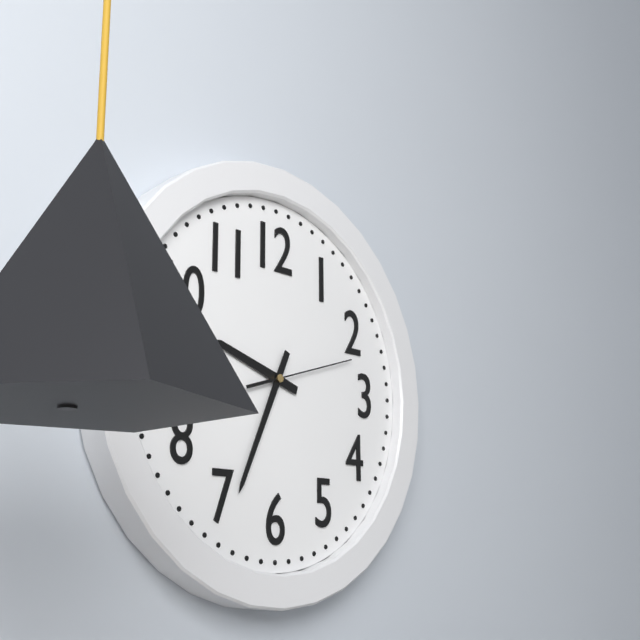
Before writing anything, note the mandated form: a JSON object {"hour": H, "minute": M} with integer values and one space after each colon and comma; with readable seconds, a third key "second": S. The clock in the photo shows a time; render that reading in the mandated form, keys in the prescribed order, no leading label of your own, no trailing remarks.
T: {"hour": 9, "minute": 34, "second": 12}
